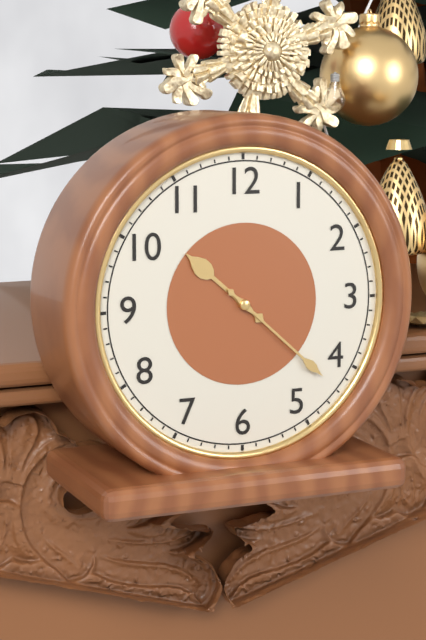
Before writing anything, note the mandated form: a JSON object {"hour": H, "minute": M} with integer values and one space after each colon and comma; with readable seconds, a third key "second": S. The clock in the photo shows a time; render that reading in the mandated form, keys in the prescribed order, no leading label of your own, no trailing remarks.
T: {"hour": 10, "minute": 22}
